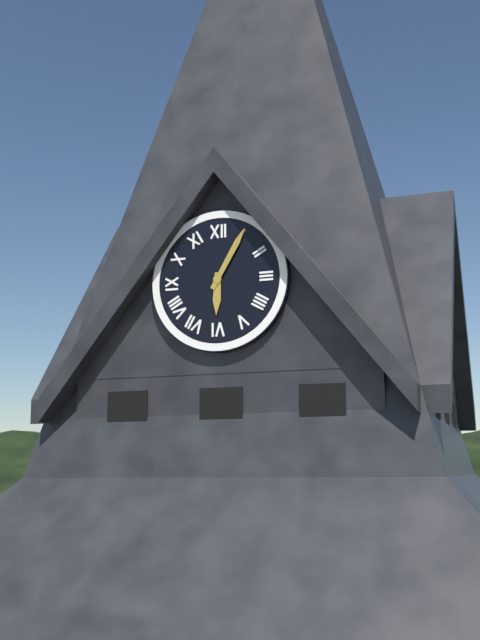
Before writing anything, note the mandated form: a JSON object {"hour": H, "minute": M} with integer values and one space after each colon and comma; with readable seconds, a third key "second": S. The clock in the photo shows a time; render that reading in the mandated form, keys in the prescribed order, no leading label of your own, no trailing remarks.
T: {"hour": 6, "minute": 5}
